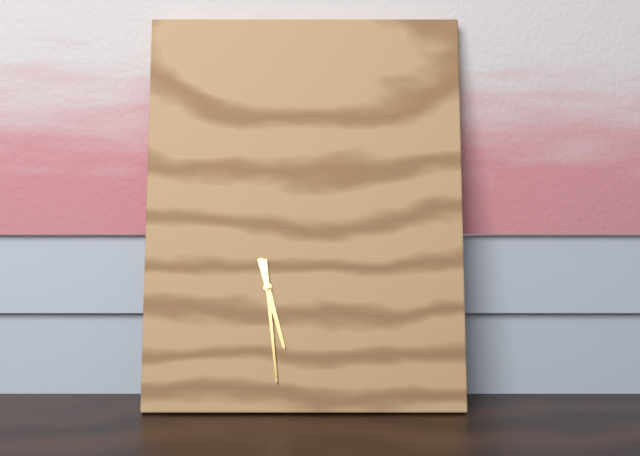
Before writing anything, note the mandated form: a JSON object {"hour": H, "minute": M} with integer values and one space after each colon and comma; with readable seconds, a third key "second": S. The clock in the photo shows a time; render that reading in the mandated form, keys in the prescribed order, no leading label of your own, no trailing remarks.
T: {"hour": 5, "minute": 29}
